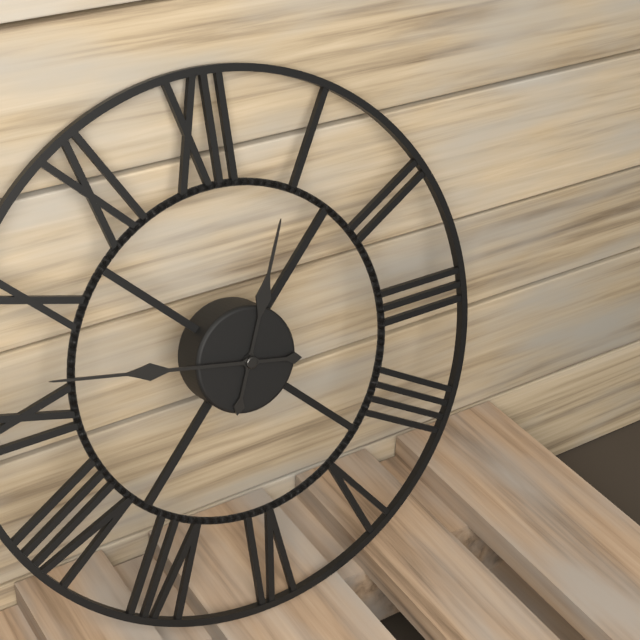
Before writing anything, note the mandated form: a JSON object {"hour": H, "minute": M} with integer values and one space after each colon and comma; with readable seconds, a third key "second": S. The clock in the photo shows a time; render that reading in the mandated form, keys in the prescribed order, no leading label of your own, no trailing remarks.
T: {"hour": 12, "minute": 47}
